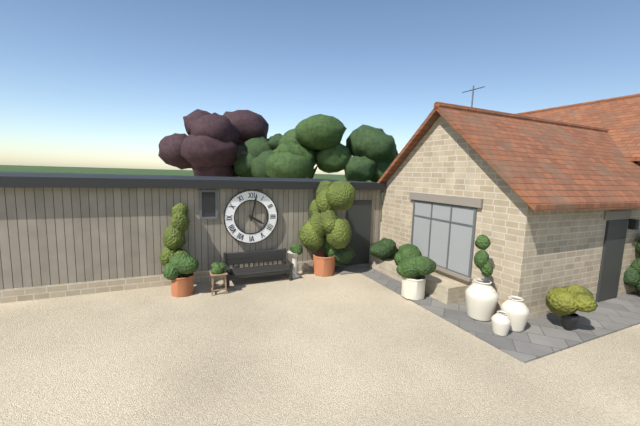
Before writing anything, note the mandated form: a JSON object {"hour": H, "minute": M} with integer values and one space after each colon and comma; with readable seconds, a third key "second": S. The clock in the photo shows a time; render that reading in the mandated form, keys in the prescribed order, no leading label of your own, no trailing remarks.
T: {"hour": 4, "minute": 2}
